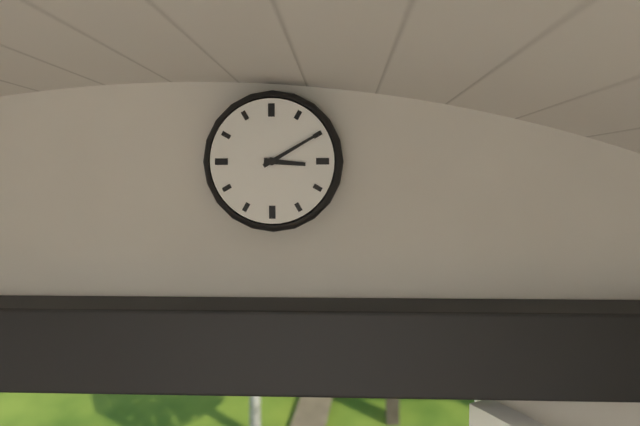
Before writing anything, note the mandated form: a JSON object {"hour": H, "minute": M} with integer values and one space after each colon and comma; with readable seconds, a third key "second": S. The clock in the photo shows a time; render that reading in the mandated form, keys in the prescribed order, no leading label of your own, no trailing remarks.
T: {"hour": 3, "minute": 10}
